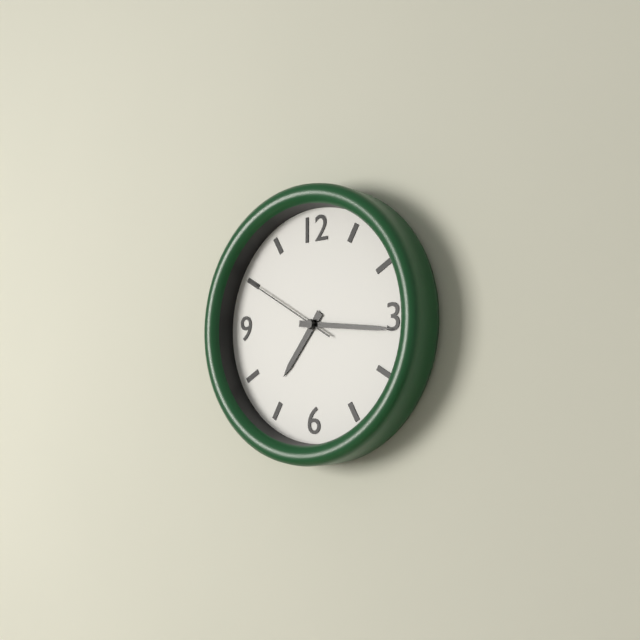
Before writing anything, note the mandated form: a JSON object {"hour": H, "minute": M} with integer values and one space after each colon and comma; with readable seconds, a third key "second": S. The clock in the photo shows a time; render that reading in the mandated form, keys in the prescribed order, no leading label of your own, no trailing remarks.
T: {"hour": 7, "minute": 16, "second": 50}
